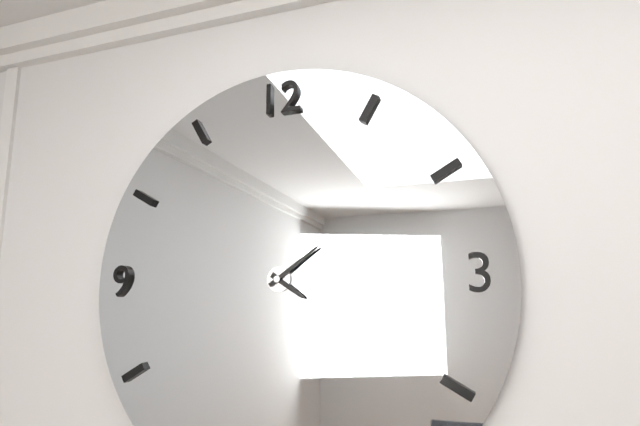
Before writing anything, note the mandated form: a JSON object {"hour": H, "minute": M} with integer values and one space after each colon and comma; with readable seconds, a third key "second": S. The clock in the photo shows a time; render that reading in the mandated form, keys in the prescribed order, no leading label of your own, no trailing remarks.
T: {"hour": 4, "minute": 9}
